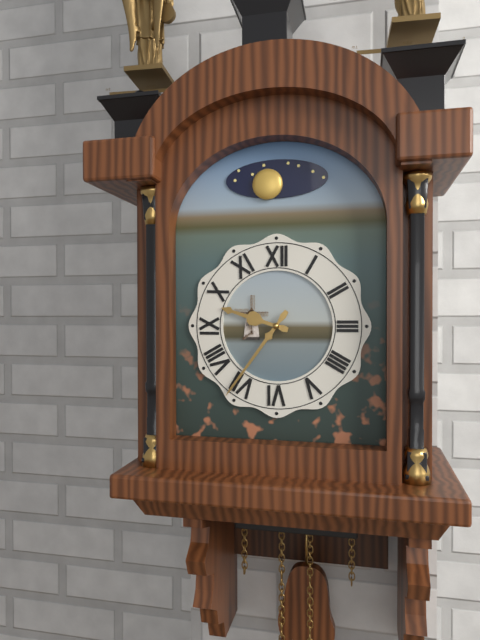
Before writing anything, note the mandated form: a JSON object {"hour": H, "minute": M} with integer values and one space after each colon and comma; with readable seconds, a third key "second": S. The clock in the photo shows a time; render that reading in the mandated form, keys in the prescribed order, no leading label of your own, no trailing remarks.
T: {"hour": 9, "minute": 36}
